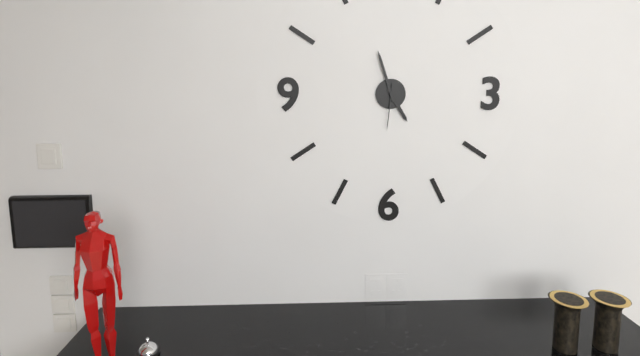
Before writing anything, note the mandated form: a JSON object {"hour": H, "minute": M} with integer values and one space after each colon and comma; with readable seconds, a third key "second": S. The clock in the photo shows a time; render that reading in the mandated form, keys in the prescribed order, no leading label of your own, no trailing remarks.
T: {"hour": 4, "minute": 57}
